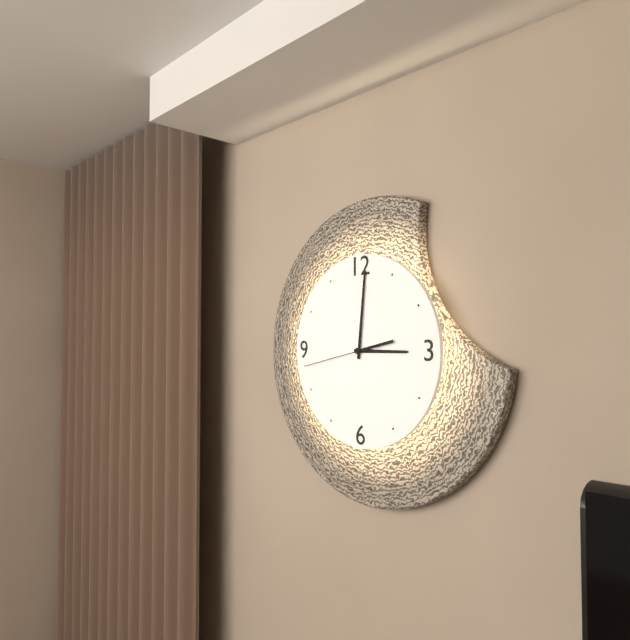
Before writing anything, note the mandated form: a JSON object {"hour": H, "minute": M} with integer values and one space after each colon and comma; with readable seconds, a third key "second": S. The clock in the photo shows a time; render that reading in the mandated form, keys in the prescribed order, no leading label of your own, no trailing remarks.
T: {"hour": 3, "minute": 1, "second": 43}
